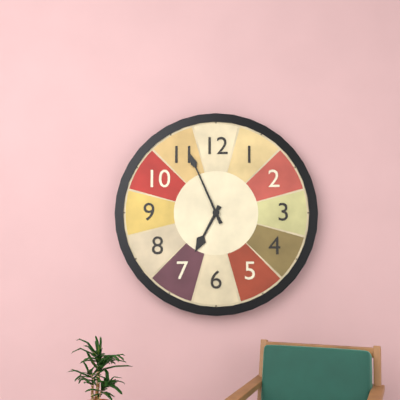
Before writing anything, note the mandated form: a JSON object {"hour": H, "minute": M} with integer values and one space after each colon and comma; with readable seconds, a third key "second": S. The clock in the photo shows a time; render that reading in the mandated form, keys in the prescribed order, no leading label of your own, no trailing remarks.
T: {"hour": 6, "minute": 56}
